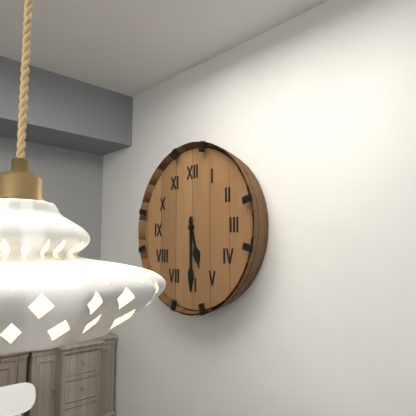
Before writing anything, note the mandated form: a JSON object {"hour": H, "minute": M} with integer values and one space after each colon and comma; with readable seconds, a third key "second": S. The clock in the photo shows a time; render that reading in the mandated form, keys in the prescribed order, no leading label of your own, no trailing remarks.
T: {"hour": 5, "minute": 30}
